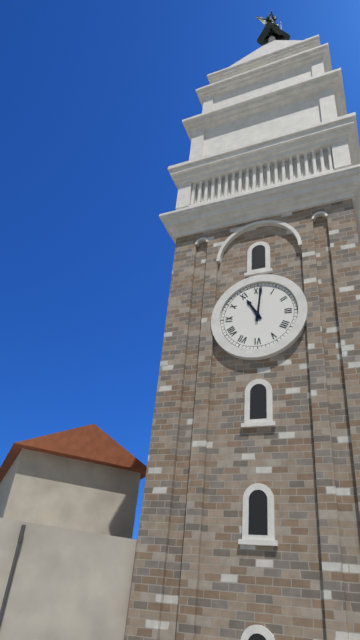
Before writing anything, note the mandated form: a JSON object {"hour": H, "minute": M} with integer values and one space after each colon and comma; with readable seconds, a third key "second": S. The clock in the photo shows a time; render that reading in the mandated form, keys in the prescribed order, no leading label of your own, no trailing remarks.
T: {"hour": 11, "minute": 1}
